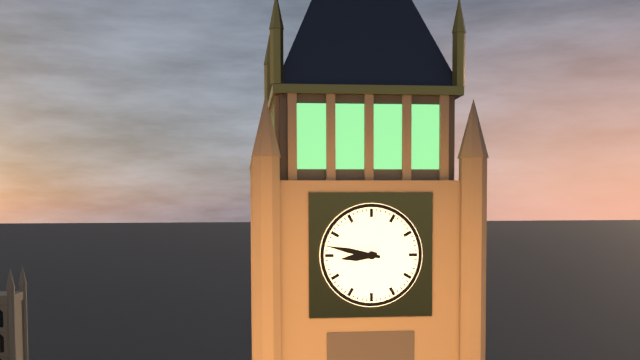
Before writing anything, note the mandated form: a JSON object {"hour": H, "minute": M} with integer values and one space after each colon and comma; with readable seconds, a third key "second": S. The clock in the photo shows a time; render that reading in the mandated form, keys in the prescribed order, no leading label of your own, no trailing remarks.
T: {"hour": 8, "minute": 47}
